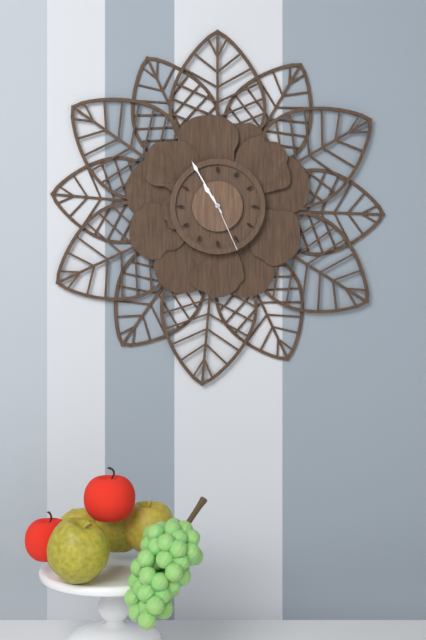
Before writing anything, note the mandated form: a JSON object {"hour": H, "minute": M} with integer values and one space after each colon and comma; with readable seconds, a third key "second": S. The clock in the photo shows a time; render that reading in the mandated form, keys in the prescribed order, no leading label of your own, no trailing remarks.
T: {"hour": 10, "minute": 55, "second": 26}
